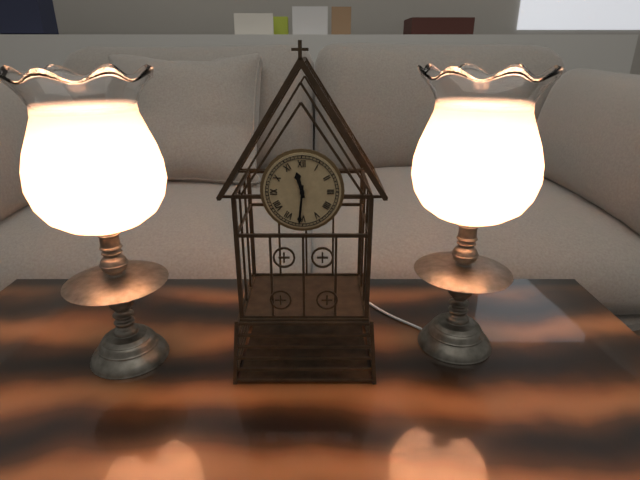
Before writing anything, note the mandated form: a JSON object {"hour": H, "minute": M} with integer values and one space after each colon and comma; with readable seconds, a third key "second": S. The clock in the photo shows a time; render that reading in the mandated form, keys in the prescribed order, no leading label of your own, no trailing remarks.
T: {"hour": 11, "minute": 31}
